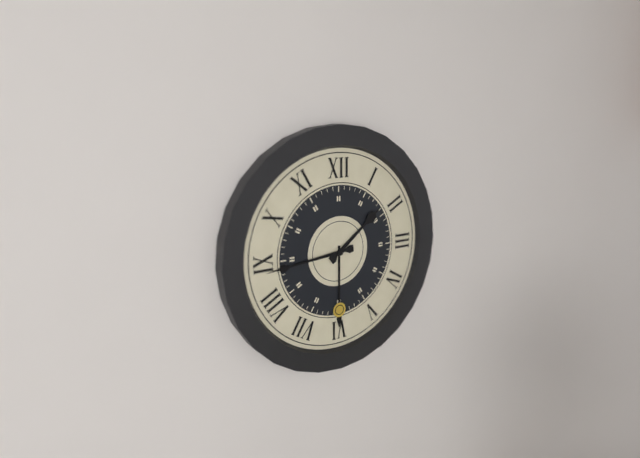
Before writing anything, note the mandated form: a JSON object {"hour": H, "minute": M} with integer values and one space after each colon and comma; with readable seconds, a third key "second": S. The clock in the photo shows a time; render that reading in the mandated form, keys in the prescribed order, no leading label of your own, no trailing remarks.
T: {"hour": 1, "minute": 44}
